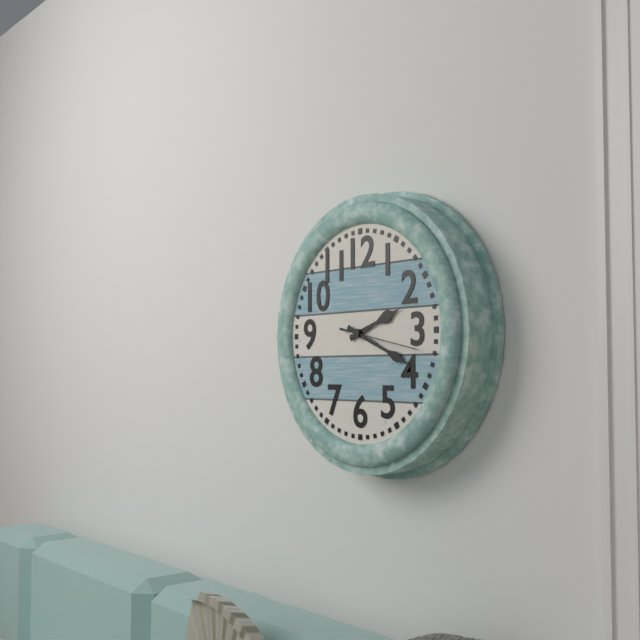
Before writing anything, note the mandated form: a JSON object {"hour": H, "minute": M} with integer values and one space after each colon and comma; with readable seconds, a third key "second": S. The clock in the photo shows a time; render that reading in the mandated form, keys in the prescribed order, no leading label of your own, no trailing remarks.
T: {"hour": 2, "minute": 19, "second": 17}
